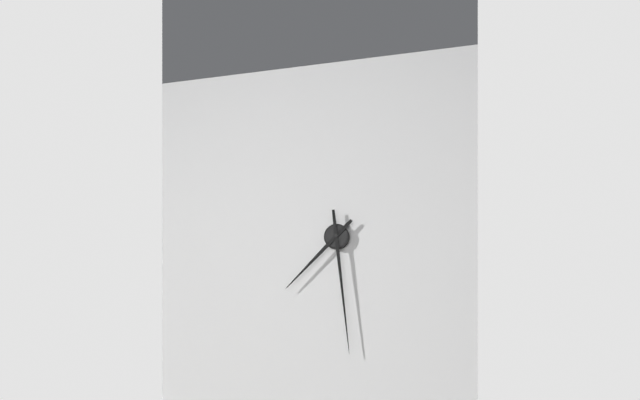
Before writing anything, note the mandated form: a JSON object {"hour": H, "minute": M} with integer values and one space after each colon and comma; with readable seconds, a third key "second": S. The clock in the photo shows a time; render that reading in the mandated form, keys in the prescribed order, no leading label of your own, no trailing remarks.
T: {"hour": 7, "minute": 29}
